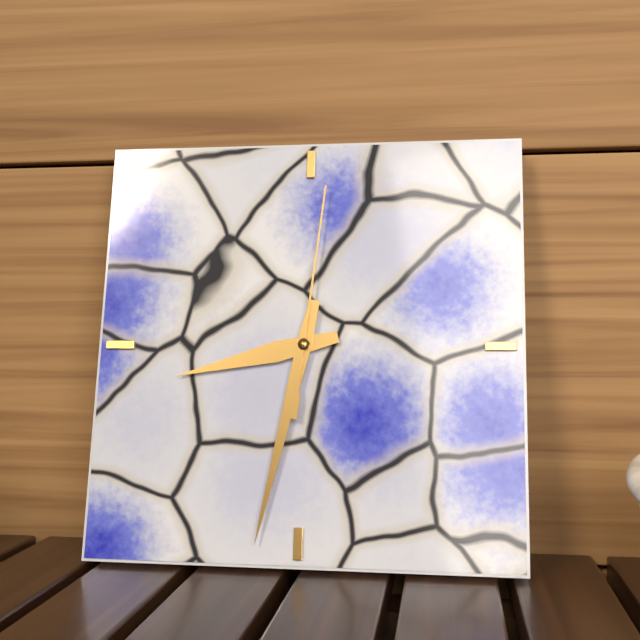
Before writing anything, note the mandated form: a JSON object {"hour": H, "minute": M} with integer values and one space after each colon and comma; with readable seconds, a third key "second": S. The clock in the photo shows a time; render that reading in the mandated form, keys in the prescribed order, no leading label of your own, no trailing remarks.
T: {"hour": 8, "minute": 32, "second": 1}
